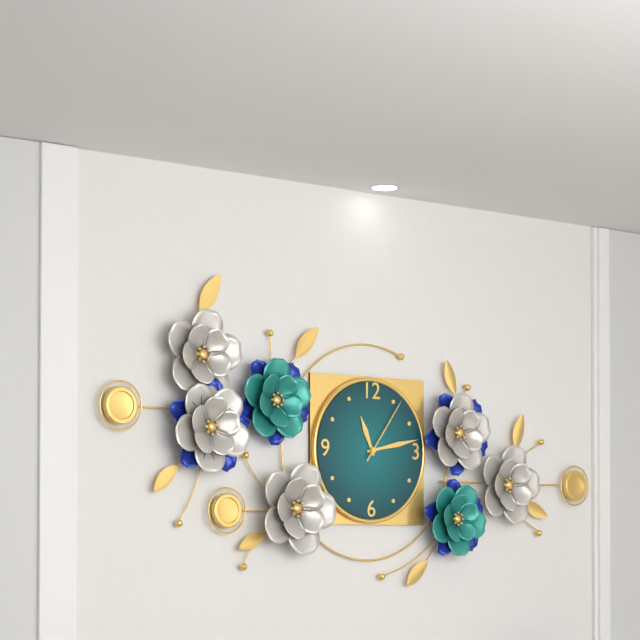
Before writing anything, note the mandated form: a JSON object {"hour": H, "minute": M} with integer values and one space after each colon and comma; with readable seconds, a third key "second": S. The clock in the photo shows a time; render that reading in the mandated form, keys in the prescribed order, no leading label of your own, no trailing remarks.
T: {"hour": 11, "minute": 13, "second": 6}
